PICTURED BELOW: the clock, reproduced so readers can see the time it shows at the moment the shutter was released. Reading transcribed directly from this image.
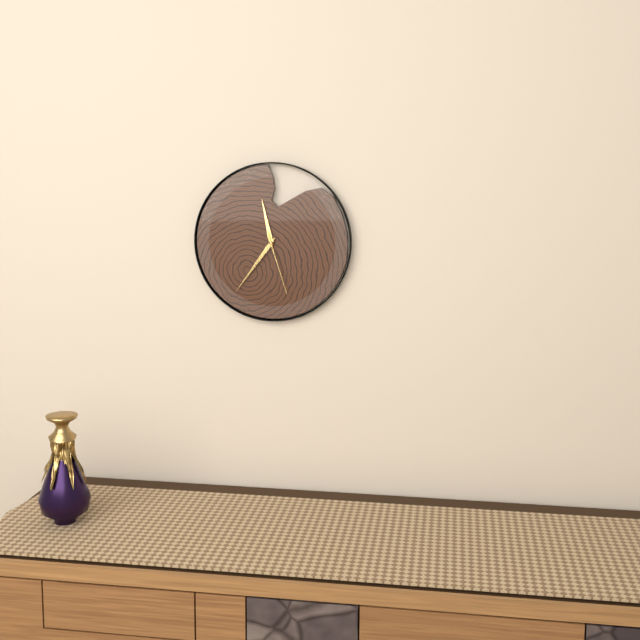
11:36:27
